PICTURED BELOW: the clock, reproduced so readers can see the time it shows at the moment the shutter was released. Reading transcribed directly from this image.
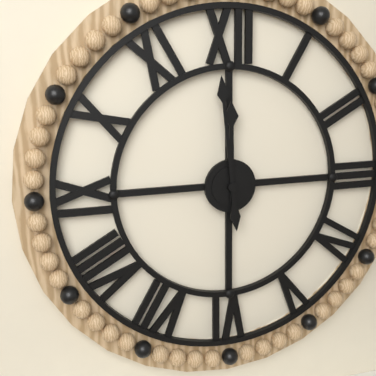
11:59
